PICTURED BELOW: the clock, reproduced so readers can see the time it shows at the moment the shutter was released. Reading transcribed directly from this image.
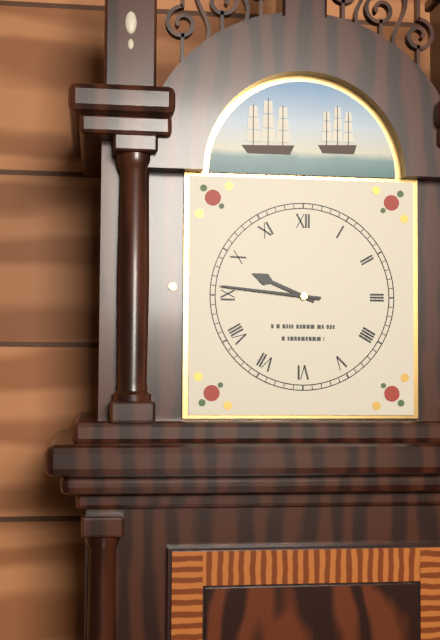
9:46
